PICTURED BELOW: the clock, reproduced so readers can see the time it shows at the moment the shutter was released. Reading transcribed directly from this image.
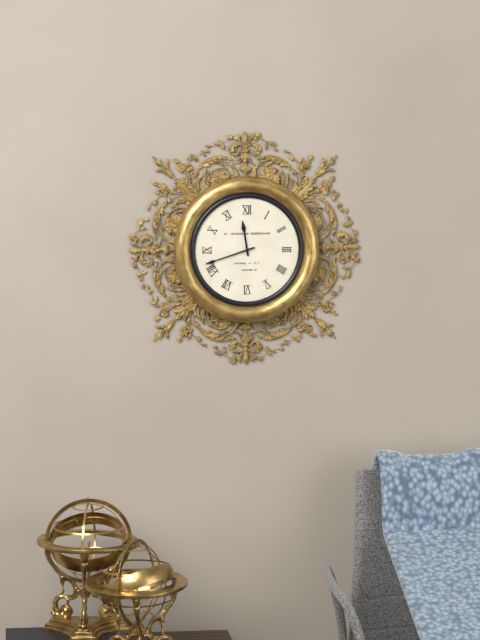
11:42
